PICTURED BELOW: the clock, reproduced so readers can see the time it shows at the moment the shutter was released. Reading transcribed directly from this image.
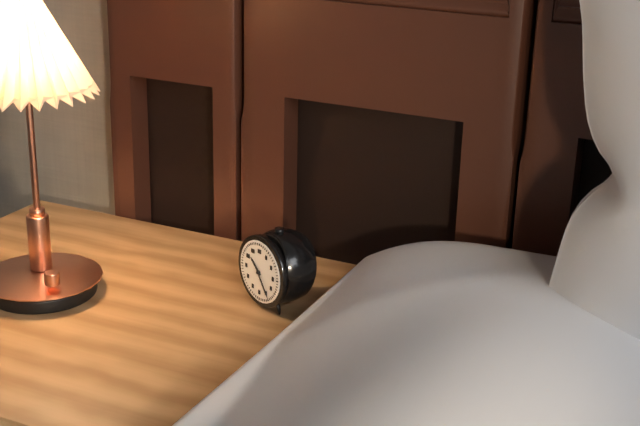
10:24
